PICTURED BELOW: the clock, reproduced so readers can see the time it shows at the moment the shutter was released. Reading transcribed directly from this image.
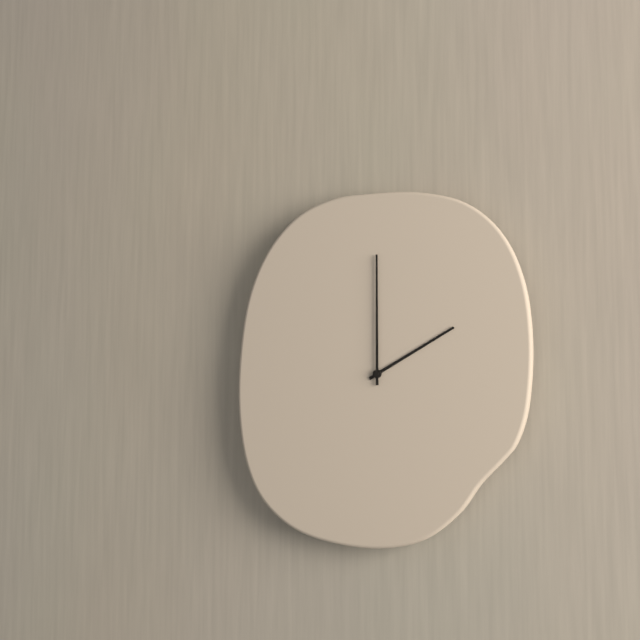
2:00
